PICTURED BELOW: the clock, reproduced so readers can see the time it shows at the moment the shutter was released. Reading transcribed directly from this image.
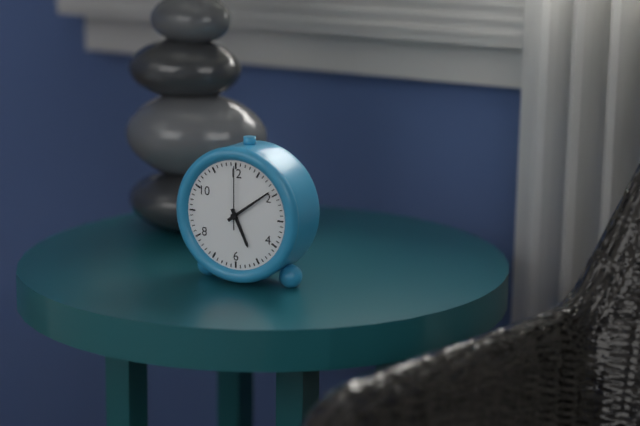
5:09:00
